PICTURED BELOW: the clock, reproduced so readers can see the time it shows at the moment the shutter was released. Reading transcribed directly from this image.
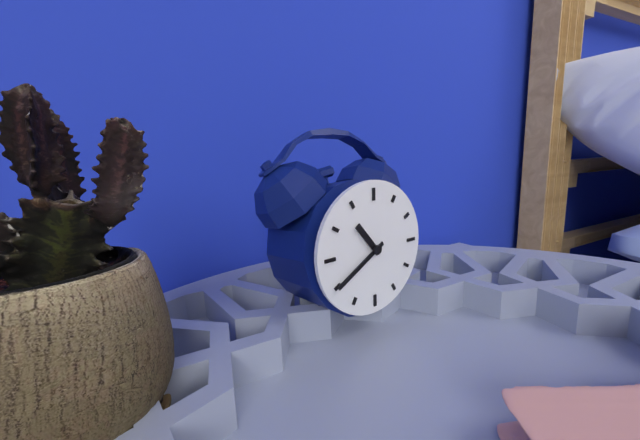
10:40
